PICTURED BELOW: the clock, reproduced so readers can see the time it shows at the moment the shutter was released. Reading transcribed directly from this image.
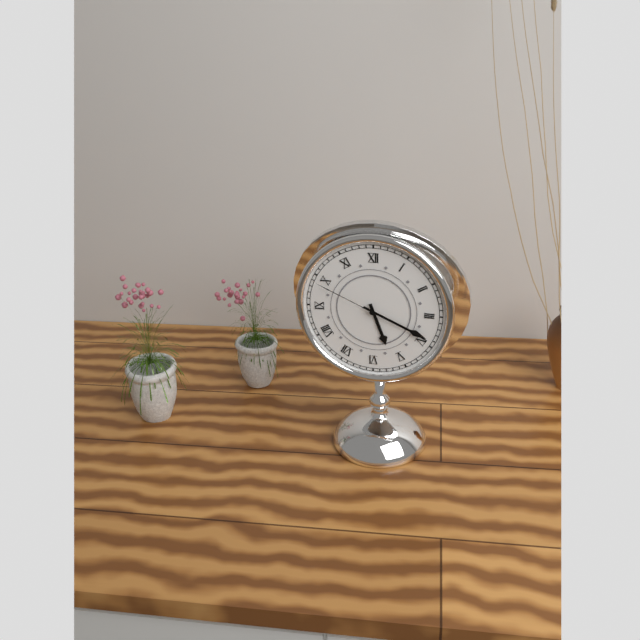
5:19:49
